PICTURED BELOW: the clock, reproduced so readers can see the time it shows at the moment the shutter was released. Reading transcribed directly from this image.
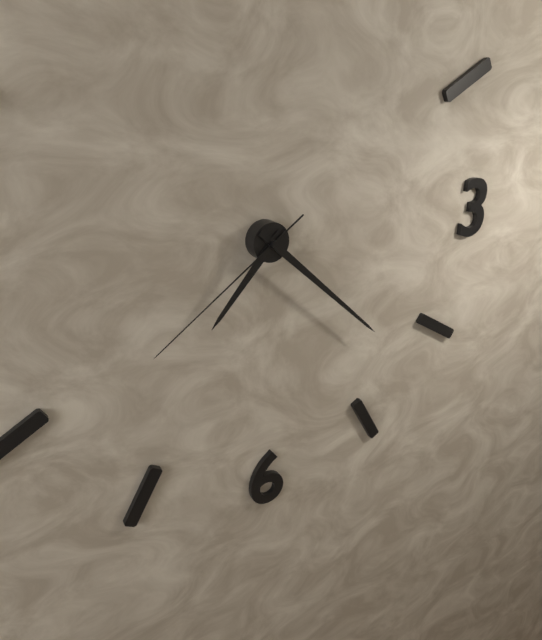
7:22:39
